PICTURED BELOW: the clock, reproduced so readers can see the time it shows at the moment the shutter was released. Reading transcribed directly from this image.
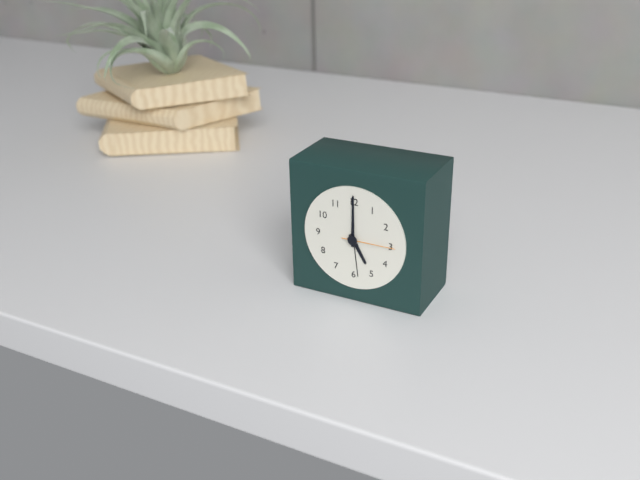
5:00:15
